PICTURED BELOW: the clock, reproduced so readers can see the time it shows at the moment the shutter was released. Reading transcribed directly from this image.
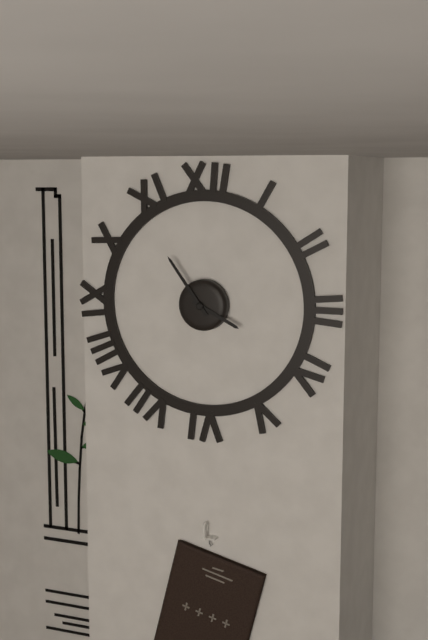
3:54
